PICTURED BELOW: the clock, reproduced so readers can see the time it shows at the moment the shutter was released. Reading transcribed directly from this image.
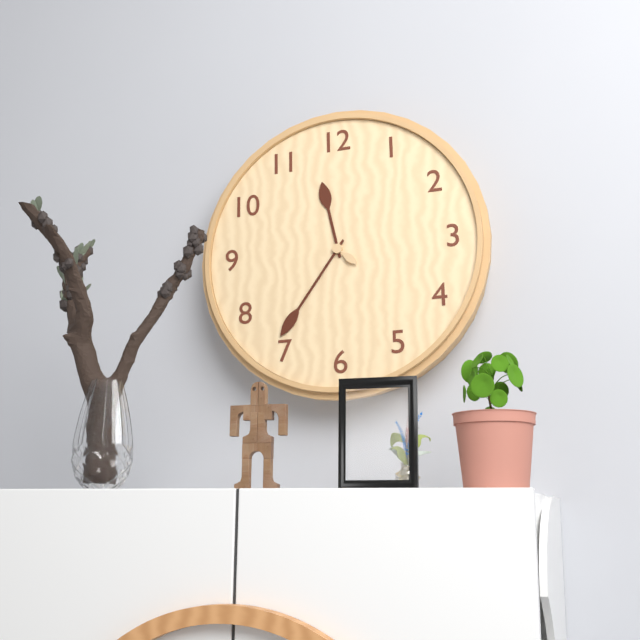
11:36
